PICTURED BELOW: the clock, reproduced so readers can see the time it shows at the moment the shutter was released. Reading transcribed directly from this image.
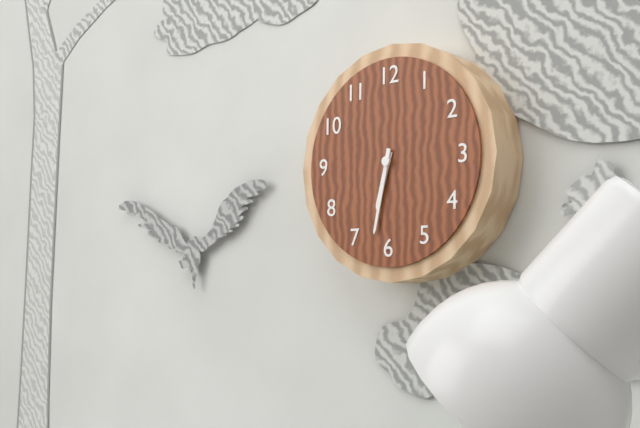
6:32
